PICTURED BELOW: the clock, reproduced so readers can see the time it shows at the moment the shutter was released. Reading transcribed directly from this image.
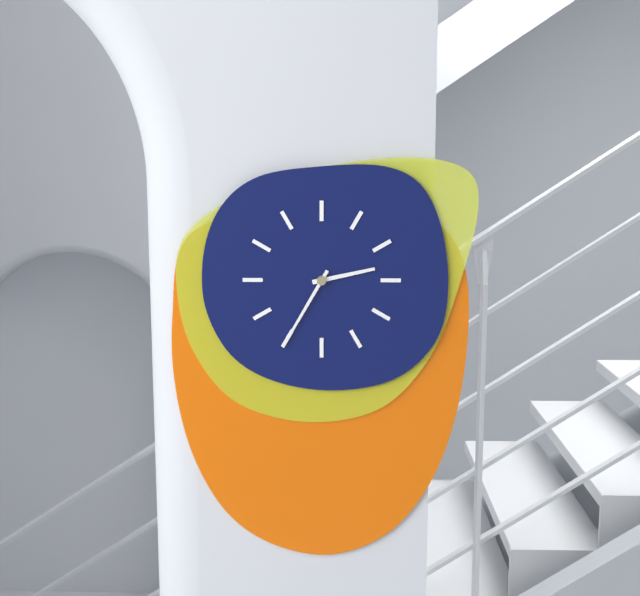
2:35
